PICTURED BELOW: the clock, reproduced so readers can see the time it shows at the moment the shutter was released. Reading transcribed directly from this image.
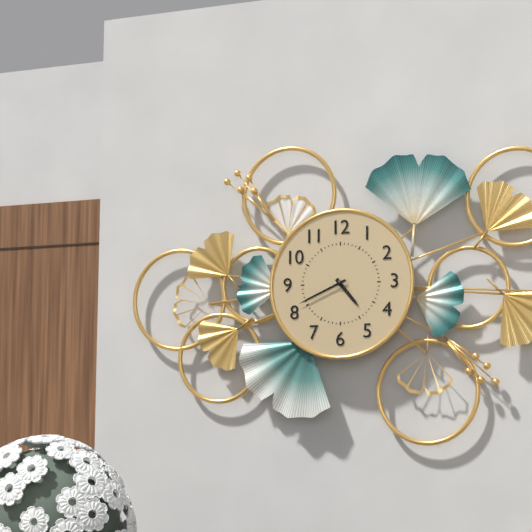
4:41
